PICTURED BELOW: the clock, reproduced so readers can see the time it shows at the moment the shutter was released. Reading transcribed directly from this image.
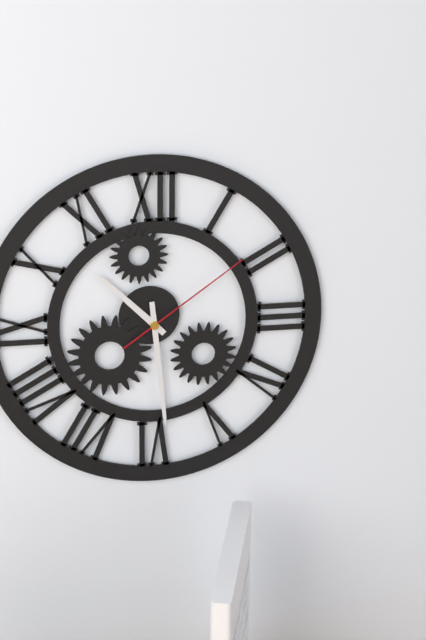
10:29:09
